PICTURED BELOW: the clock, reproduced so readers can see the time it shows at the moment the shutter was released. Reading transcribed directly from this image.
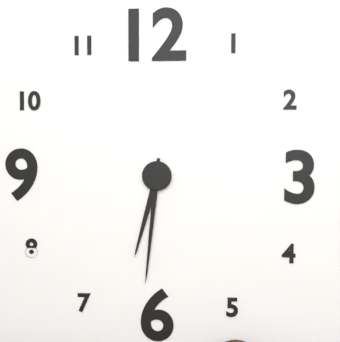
6:31
